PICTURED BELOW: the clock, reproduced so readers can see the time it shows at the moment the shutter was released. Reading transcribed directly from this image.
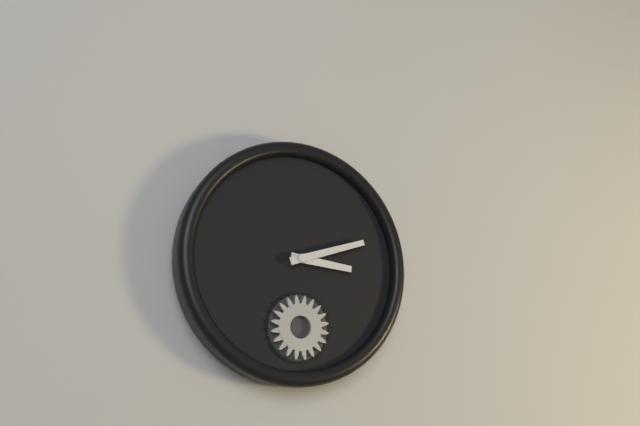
3:12
